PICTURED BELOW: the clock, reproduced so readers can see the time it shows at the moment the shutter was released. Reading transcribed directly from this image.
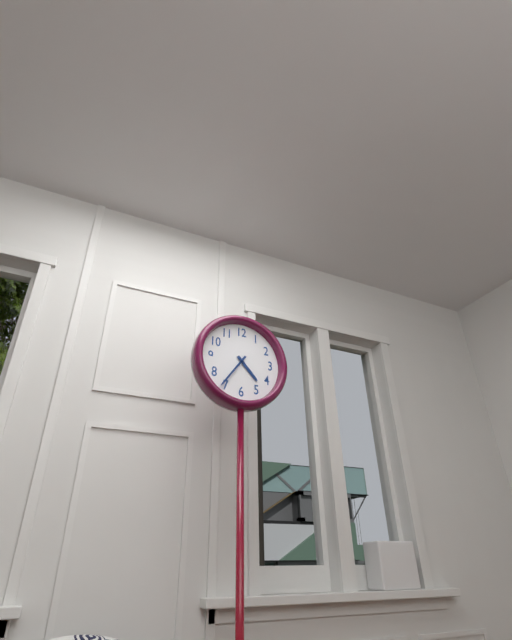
4:36
